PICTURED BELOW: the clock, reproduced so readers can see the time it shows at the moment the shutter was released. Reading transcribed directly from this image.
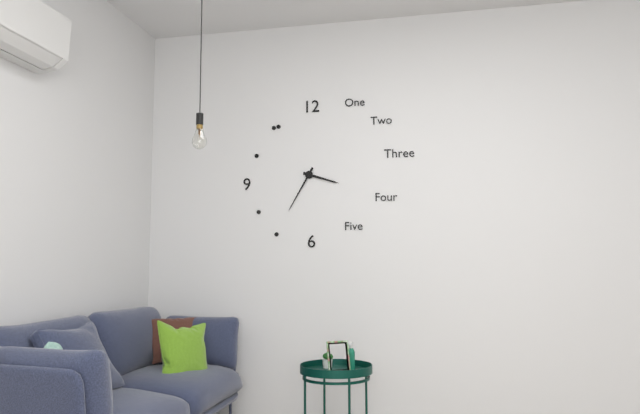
3:35
